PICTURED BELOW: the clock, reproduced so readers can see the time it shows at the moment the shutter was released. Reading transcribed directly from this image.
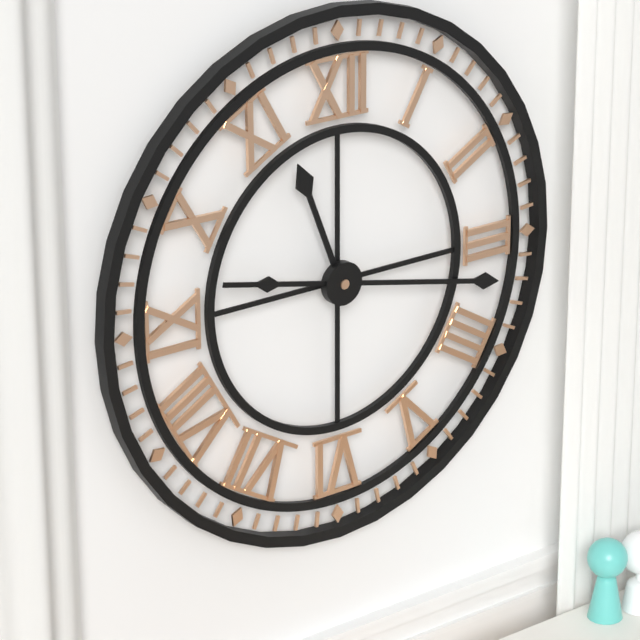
11:17
